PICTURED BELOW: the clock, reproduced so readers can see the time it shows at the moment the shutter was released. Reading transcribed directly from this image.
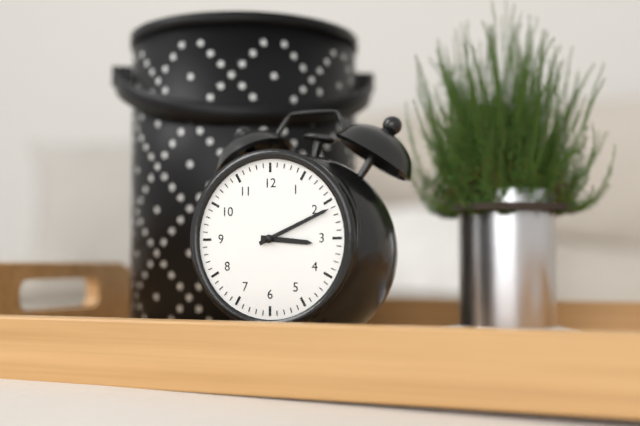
3:11
